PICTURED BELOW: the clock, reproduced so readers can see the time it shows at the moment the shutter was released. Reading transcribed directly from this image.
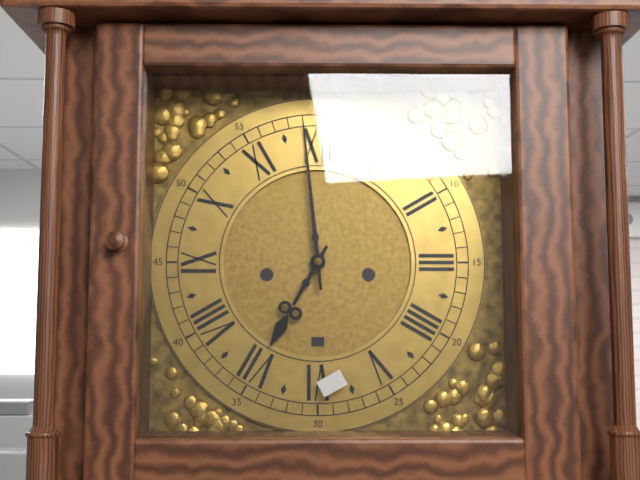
6:59
